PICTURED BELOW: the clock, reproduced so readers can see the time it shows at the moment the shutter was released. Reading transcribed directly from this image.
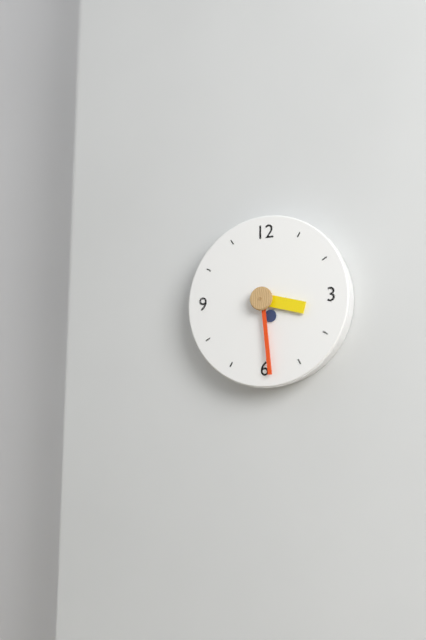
3:29
